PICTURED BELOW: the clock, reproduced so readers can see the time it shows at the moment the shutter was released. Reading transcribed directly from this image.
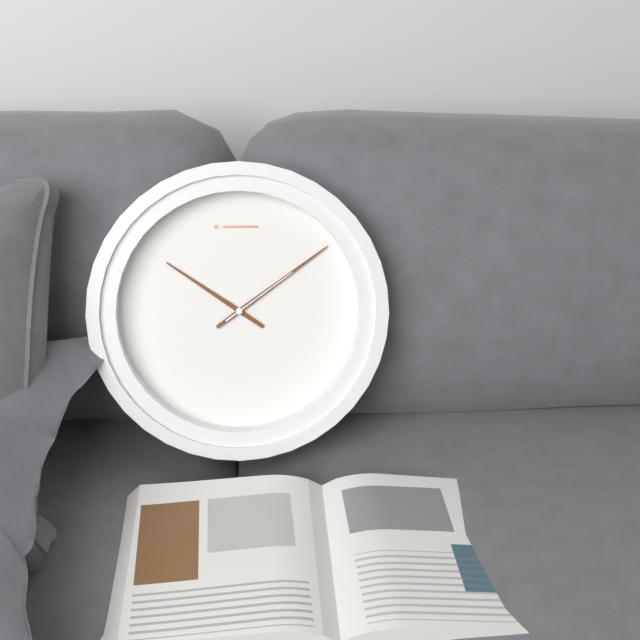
10:09:09
